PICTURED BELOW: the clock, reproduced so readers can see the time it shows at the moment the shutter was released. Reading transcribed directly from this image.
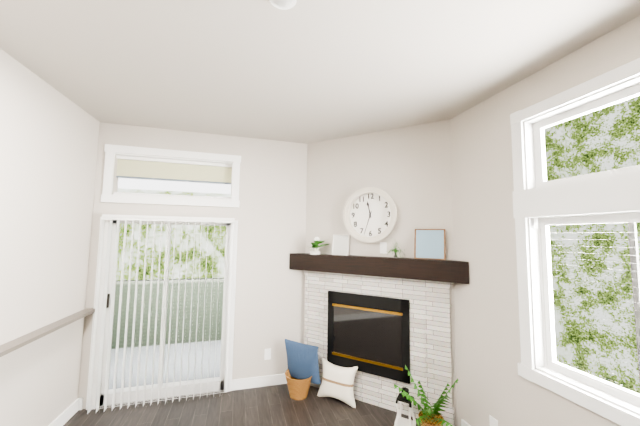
11:33
